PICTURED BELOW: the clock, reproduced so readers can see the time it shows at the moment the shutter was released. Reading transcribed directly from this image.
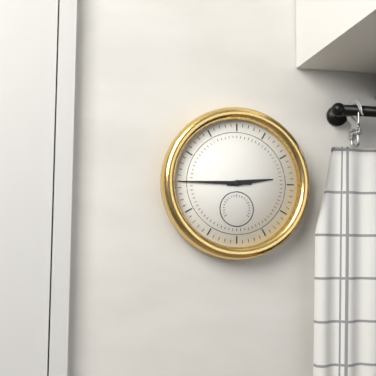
2:45
